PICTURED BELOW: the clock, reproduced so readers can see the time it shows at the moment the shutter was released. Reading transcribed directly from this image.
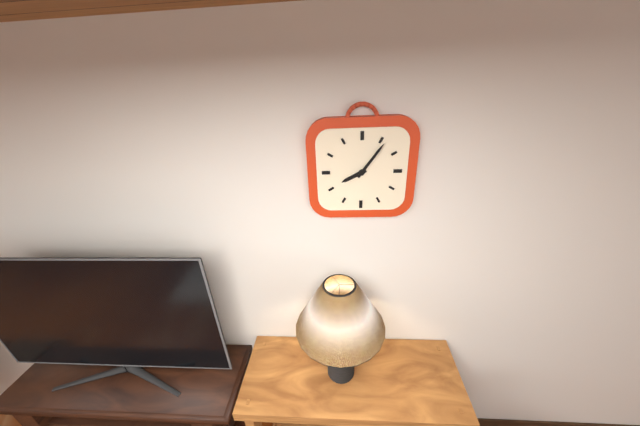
8:06
